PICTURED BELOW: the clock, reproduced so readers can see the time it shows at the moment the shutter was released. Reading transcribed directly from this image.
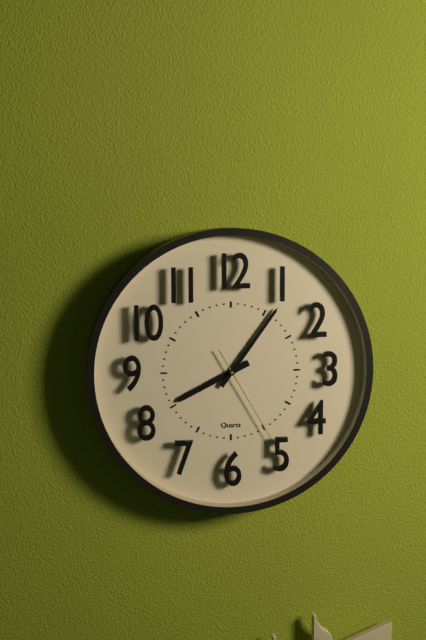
8:06:25
